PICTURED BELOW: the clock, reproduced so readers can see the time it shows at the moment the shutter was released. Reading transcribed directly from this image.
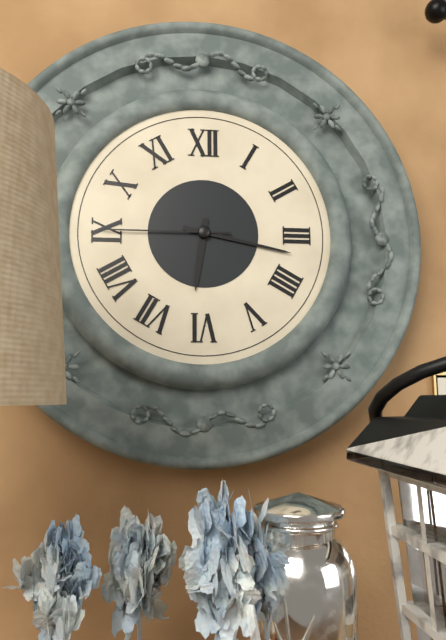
6:17:45
